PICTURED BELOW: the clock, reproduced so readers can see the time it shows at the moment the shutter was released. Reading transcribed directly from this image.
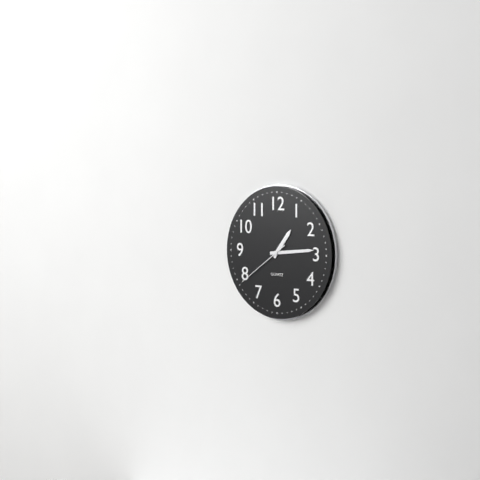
1:14:39
